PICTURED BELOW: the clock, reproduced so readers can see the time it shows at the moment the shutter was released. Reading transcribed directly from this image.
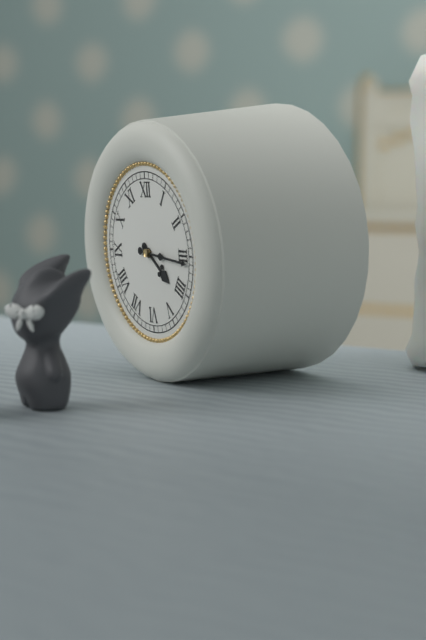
4:16
